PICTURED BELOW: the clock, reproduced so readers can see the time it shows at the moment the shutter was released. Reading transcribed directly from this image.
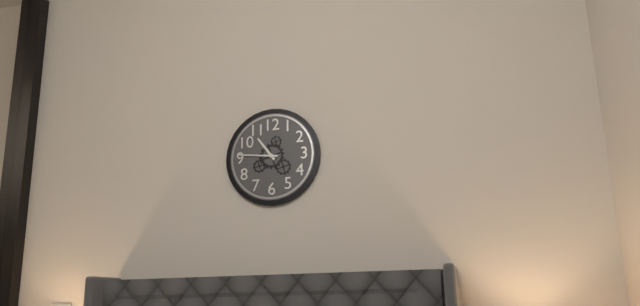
10:46
